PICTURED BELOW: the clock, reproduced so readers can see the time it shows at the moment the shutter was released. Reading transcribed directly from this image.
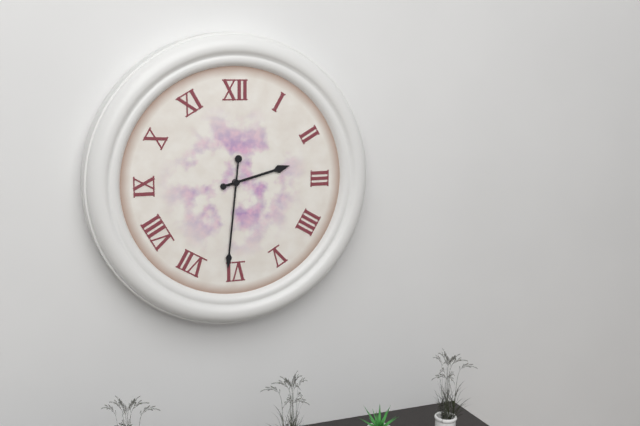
2:31
